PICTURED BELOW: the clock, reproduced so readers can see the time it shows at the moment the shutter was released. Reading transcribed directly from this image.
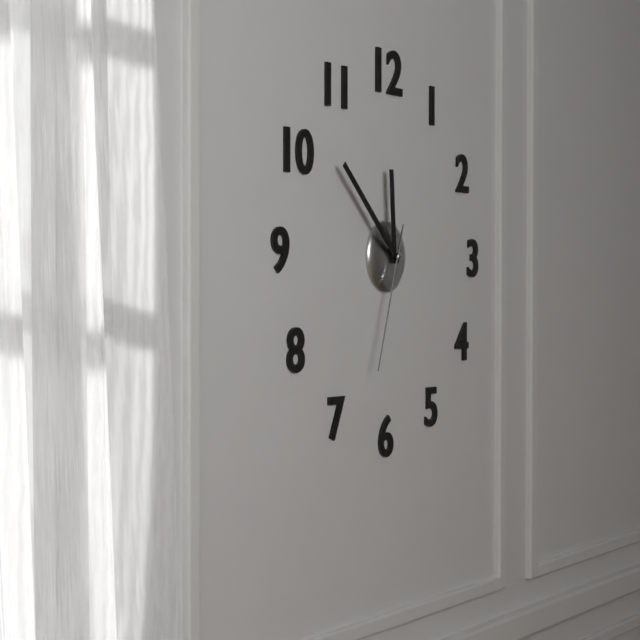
11:52:33
